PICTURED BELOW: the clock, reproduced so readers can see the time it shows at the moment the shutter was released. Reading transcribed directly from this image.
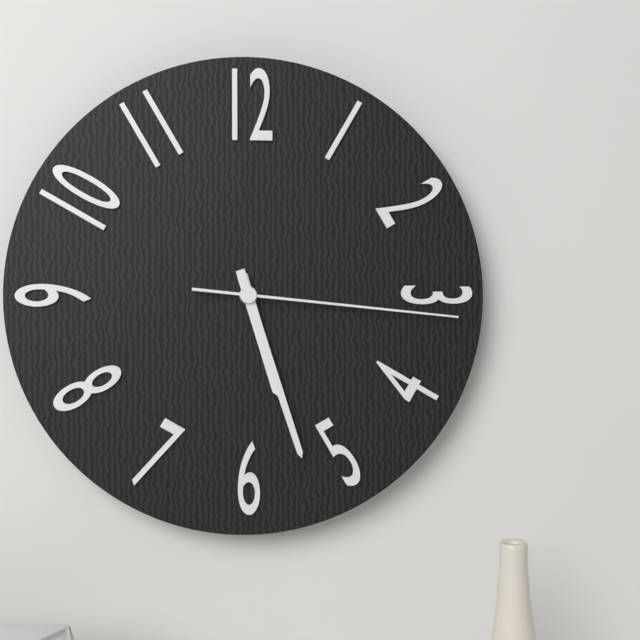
5:27:16
